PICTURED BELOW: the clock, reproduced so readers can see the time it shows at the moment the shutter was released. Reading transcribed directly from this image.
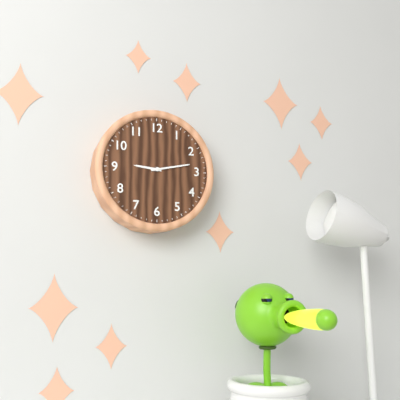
9:13
